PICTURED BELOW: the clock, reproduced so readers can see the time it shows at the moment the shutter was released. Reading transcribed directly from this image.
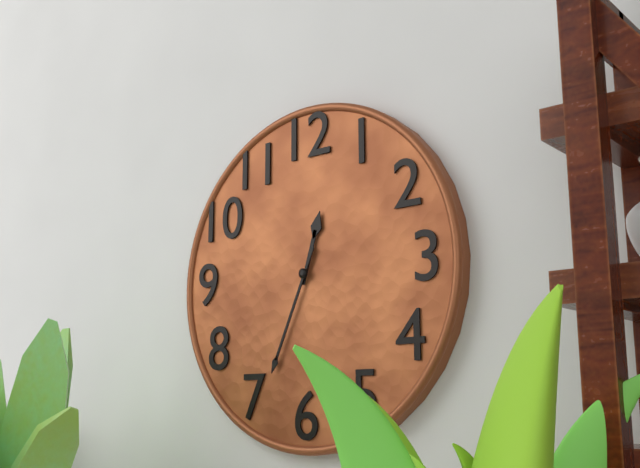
12:34
